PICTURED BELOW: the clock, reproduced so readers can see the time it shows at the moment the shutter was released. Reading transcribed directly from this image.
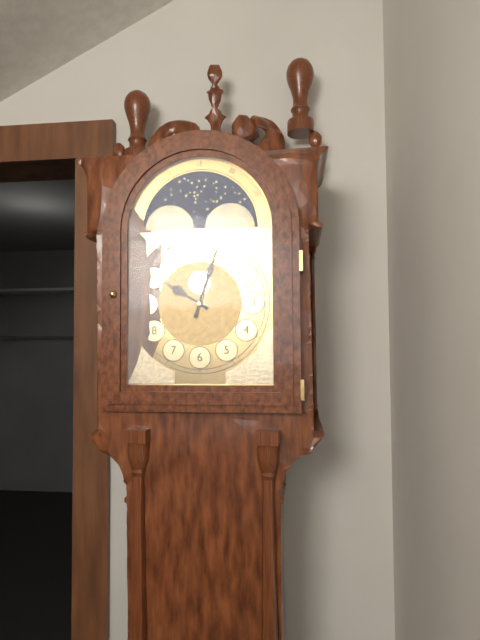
10:03
